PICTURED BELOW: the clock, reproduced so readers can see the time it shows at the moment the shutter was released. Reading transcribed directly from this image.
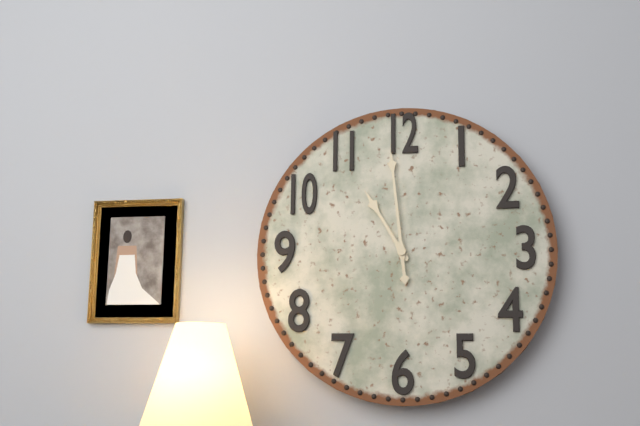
10:59
